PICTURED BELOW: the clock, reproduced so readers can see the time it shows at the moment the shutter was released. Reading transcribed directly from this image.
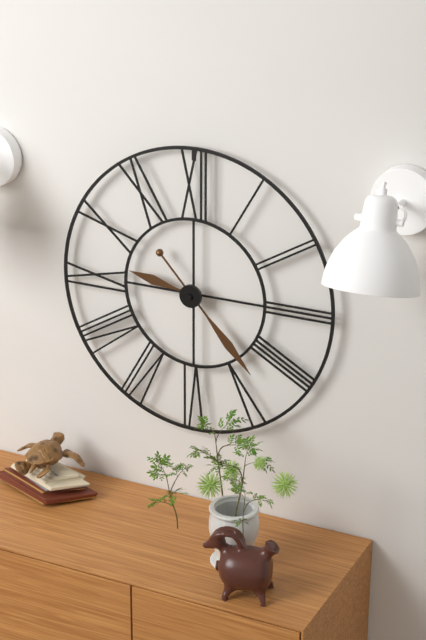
9:23
